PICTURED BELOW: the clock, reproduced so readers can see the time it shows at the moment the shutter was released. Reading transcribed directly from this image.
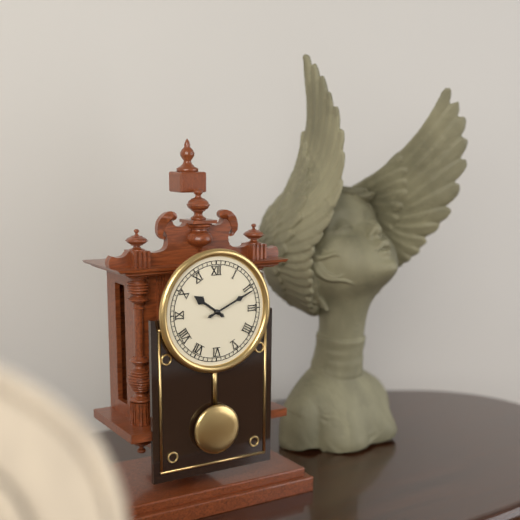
10:11
